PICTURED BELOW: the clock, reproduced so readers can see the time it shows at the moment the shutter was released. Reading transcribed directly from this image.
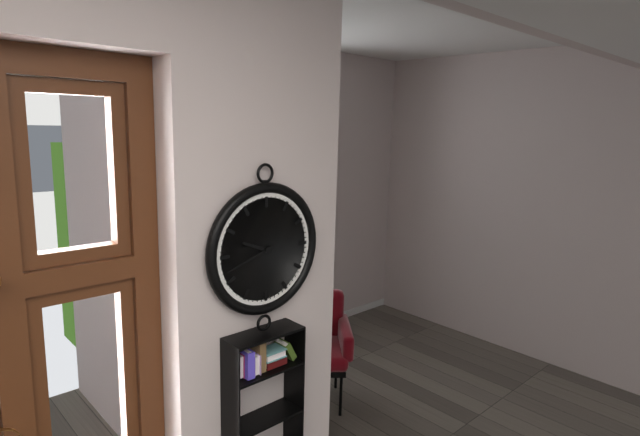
9:42
